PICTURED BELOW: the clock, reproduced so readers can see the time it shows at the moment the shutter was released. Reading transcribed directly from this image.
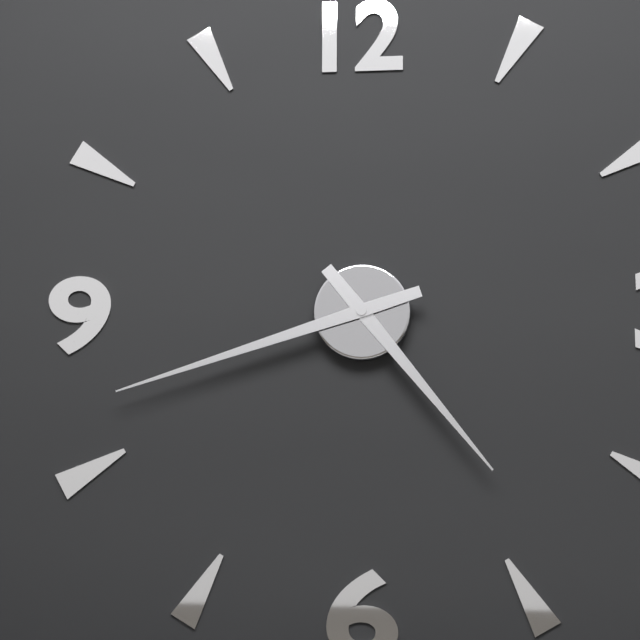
4:42
